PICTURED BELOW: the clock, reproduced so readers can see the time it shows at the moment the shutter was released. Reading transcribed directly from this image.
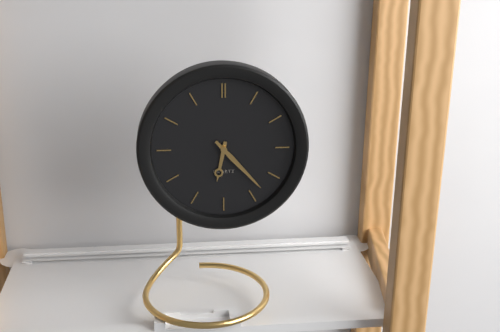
6:23
